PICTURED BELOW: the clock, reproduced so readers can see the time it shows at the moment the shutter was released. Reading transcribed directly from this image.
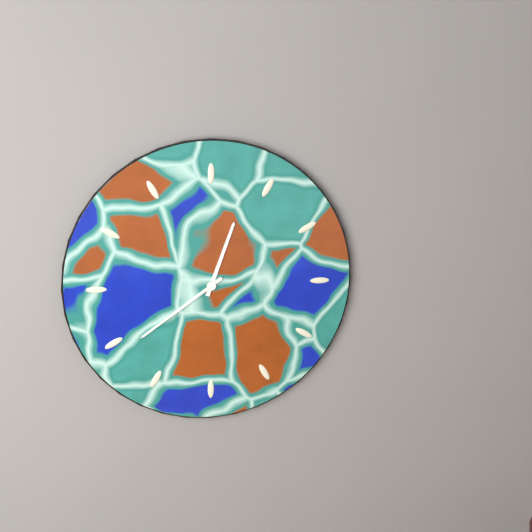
12:39
